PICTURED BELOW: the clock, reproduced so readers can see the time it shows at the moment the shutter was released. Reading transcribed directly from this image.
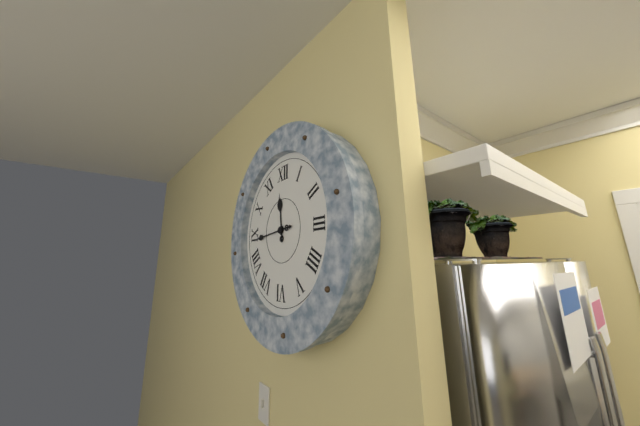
11:44
